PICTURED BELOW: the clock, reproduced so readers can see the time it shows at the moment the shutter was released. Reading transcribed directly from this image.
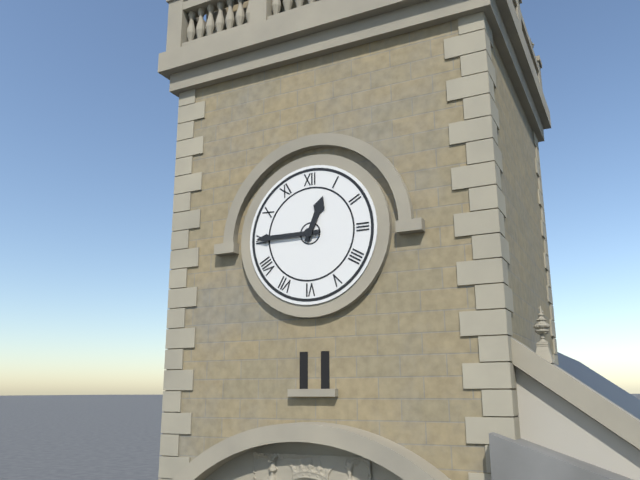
12:45
